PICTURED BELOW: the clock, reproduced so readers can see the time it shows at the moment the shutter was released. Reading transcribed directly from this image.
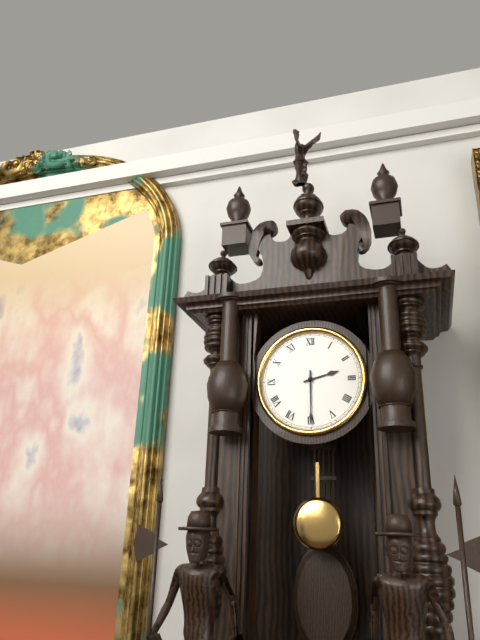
2:30
